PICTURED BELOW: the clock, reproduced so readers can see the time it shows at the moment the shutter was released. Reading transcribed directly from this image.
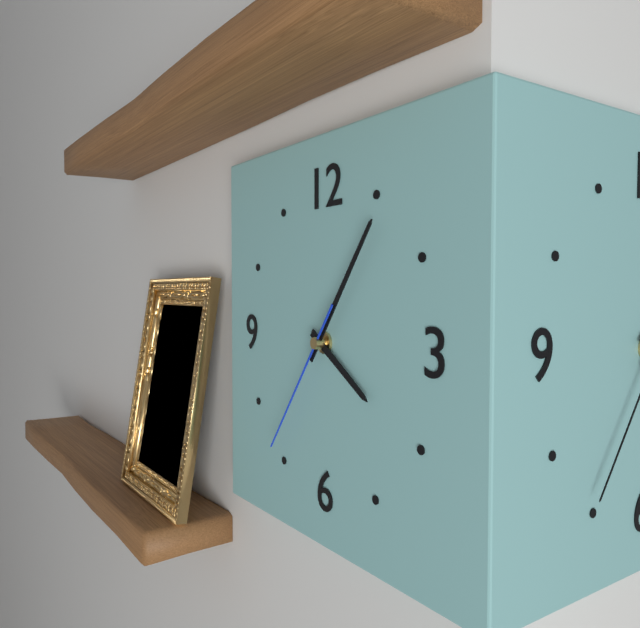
4:06:36
